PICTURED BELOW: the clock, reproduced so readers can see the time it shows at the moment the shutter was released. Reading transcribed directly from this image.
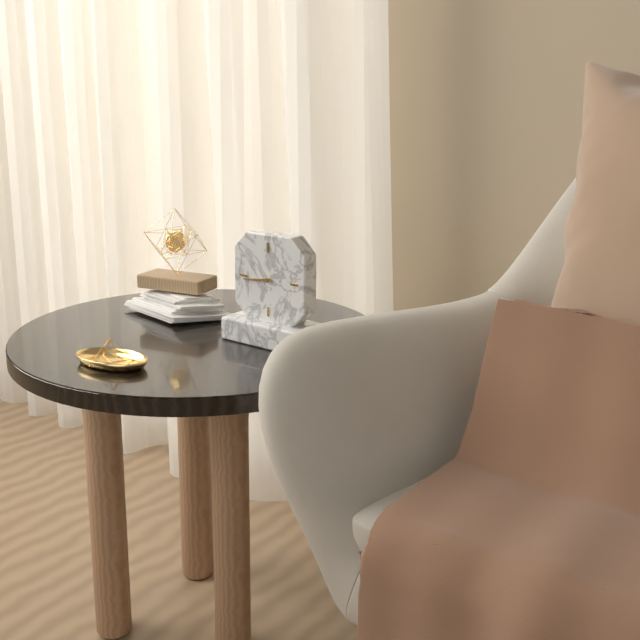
8:44
